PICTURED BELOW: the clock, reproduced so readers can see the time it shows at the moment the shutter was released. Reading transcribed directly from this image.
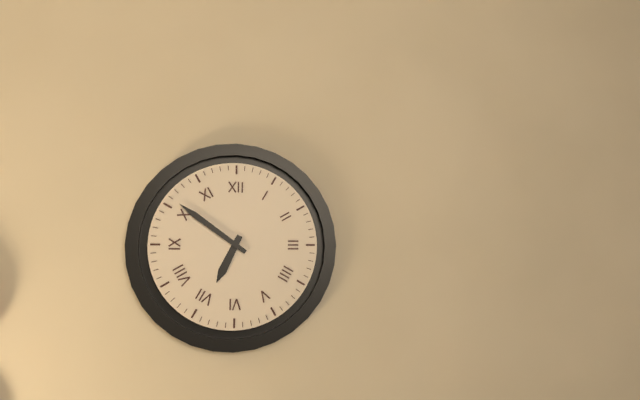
6:51
